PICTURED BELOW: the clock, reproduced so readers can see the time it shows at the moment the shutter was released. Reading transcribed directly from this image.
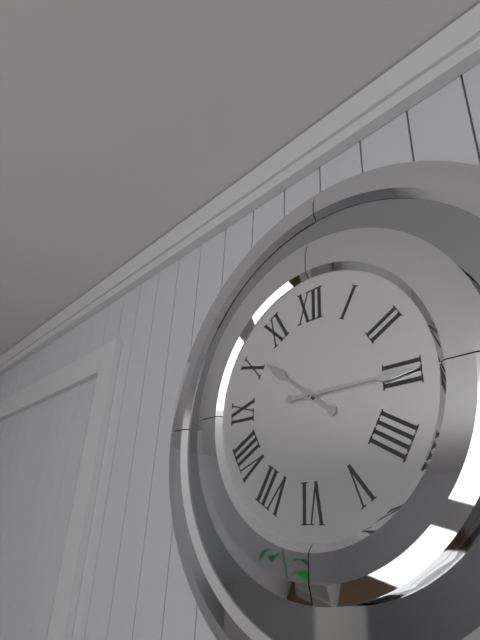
10:15
